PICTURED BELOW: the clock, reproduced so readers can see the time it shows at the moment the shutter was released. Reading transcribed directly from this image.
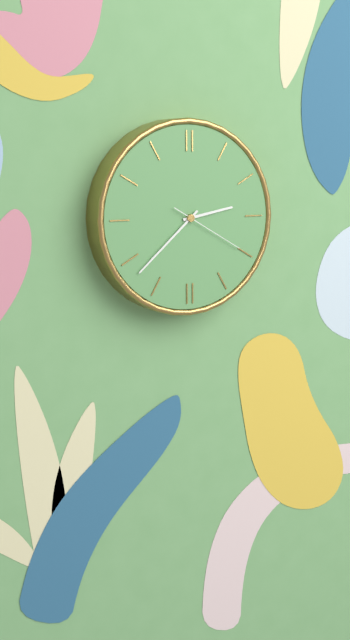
2:38:20
